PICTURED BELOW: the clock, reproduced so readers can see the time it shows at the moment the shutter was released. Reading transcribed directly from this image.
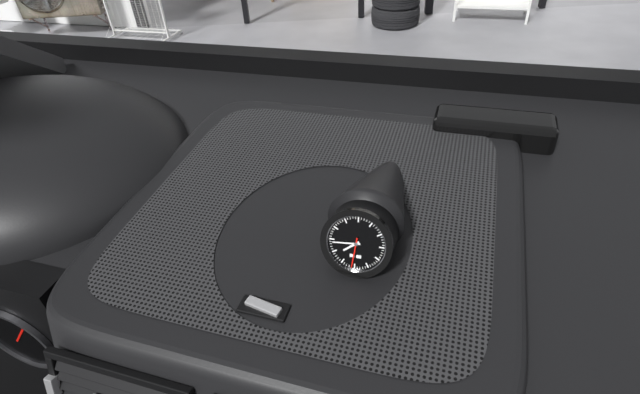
7:44
